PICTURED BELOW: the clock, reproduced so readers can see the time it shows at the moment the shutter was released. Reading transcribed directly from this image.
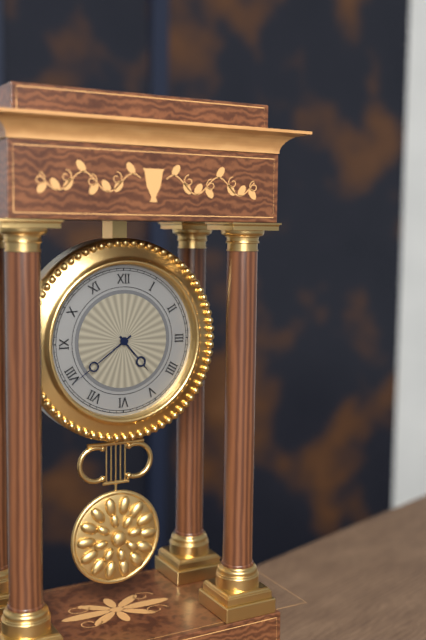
4:39
